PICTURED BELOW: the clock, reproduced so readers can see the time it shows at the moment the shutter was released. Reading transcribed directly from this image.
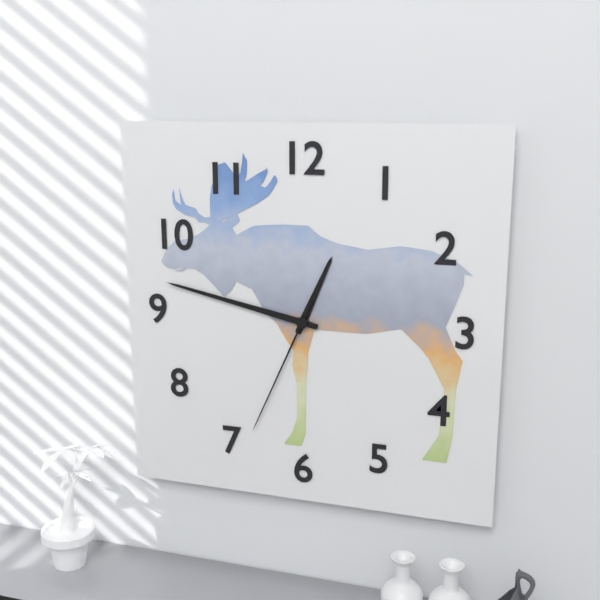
12:47:34
